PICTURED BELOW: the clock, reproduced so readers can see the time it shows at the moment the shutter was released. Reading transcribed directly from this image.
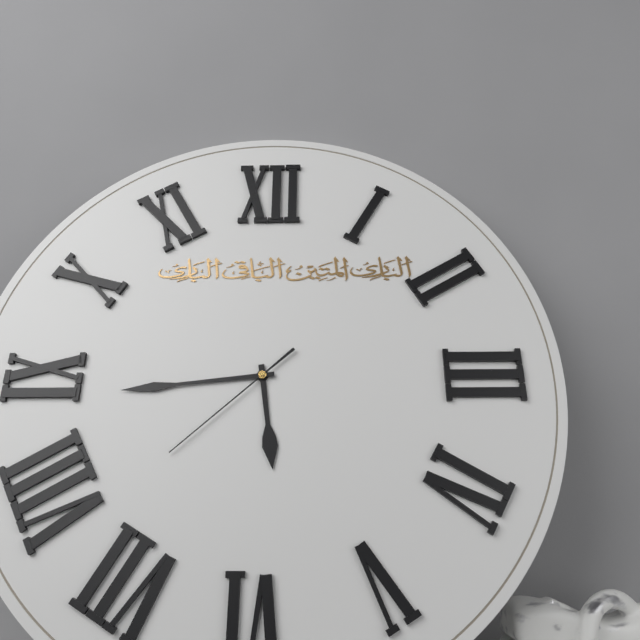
5:44:38
